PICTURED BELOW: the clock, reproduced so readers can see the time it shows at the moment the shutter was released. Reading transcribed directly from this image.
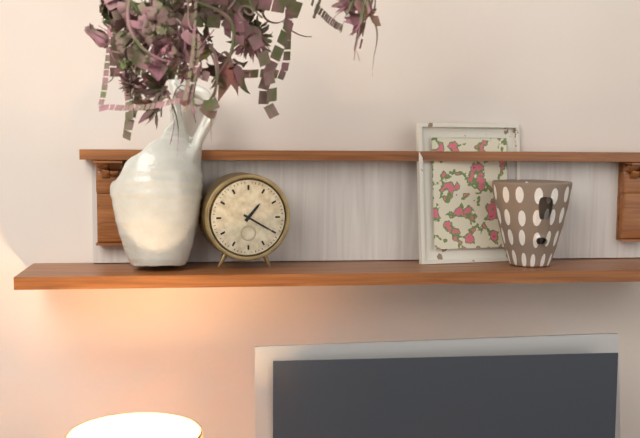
1:20
